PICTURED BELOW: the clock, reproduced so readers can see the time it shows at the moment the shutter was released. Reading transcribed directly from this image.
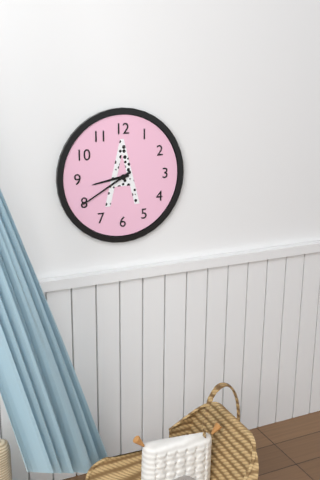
8:40
